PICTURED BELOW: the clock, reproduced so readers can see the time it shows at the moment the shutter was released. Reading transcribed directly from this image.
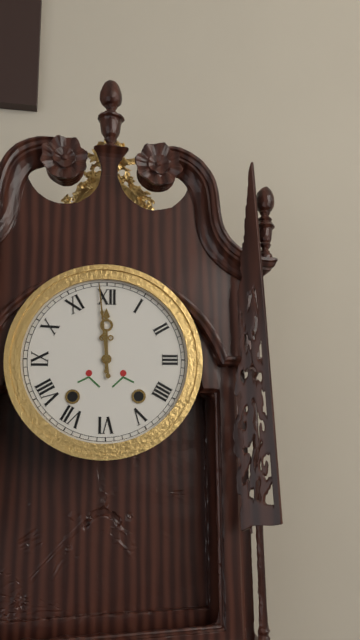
11:59
